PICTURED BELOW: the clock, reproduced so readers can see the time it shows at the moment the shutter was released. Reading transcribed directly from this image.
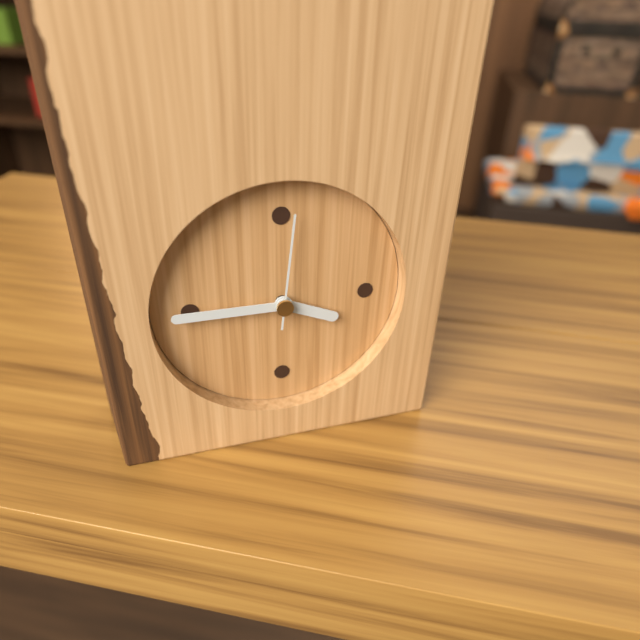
3:45:01
